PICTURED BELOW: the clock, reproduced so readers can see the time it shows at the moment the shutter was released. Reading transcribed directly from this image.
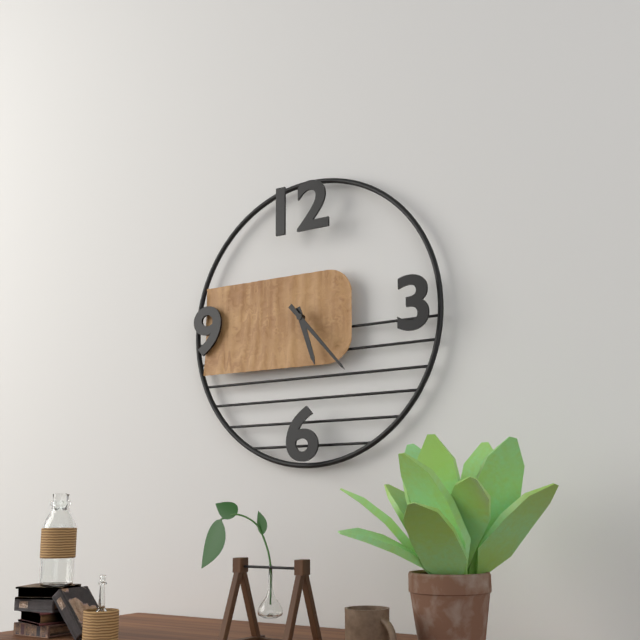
5:23
